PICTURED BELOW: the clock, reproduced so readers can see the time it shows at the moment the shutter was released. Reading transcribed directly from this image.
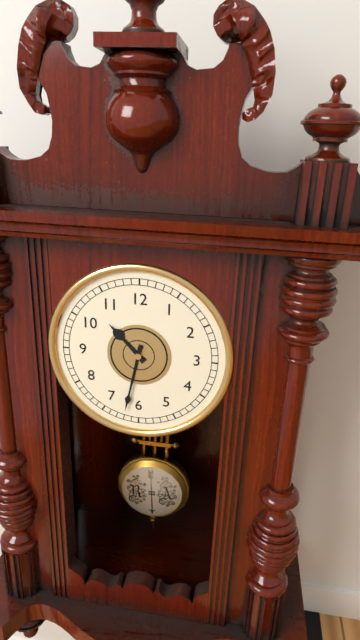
10:32
